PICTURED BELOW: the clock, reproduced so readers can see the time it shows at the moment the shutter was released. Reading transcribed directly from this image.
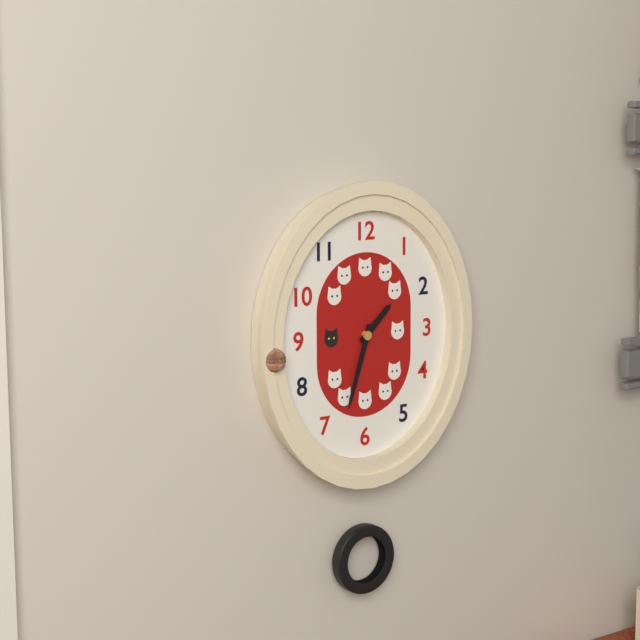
1:33
